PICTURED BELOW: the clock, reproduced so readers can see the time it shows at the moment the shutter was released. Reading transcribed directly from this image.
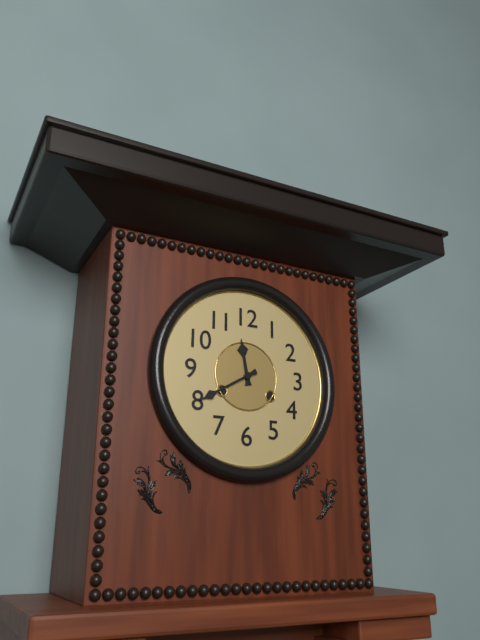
11:40
